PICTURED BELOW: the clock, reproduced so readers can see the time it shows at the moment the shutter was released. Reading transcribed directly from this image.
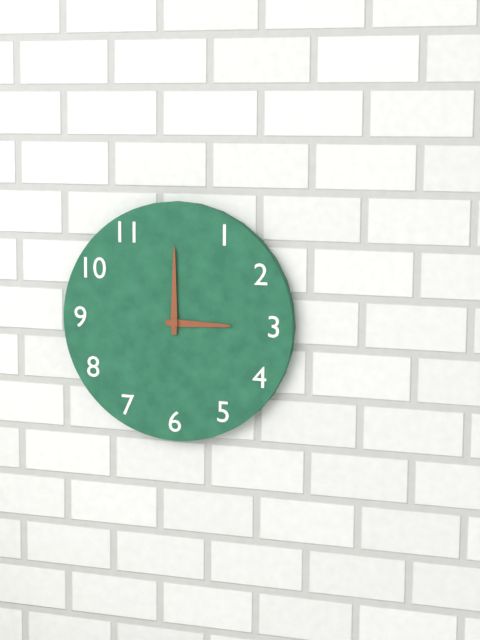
3:00
